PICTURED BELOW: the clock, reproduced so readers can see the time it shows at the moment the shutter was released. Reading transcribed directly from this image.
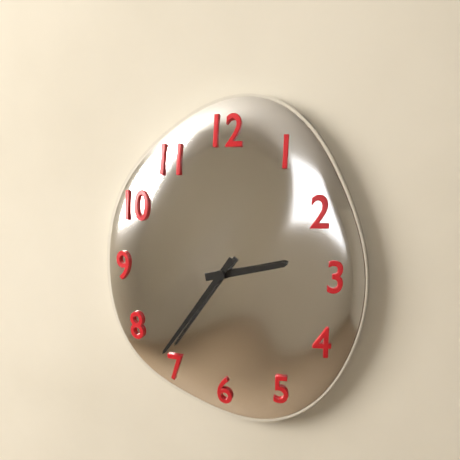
2:36
